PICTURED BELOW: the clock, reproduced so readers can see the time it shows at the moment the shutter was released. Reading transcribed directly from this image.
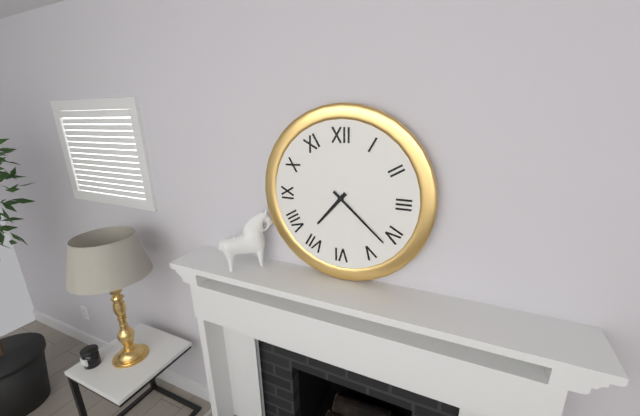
7:22
